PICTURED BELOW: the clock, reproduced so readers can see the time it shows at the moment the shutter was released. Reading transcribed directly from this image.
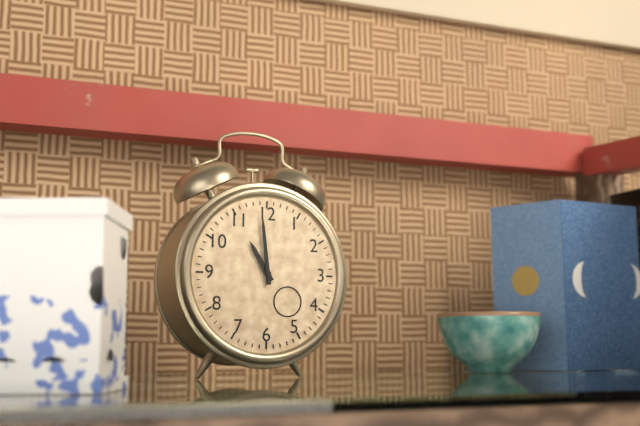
10:59
